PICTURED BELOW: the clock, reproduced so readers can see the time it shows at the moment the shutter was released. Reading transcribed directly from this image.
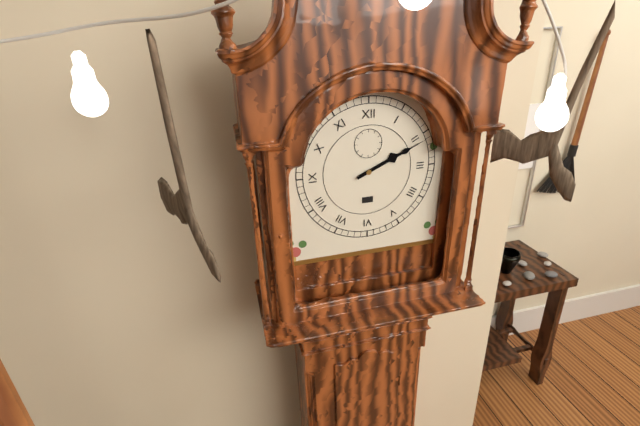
2:11
